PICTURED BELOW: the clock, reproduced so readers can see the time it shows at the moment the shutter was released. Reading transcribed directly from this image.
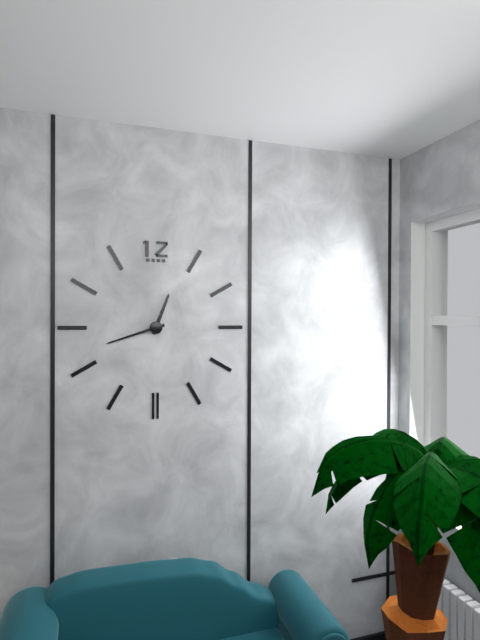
12:42
